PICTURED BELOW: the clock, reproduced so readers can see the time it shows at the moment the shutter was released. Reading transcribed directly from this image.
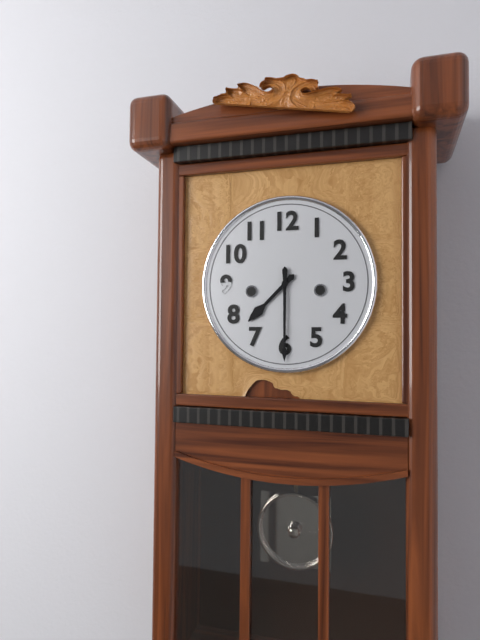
7:30
